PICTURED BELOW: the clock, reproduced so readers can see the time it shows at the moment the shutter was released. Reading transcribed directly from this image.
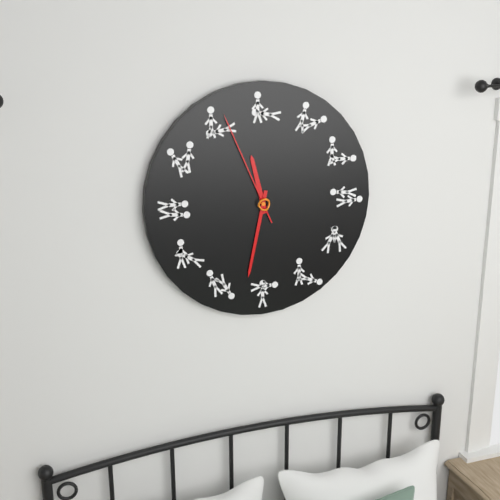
11:32:56
